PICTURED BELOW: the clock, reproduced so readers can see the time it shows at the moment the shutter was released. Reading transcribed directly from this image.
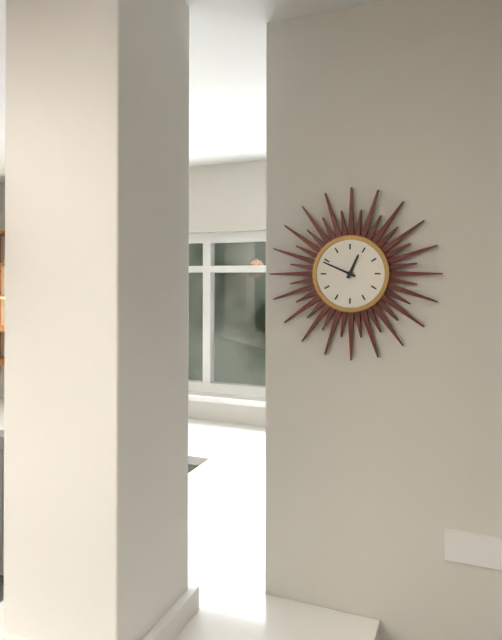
12:49
